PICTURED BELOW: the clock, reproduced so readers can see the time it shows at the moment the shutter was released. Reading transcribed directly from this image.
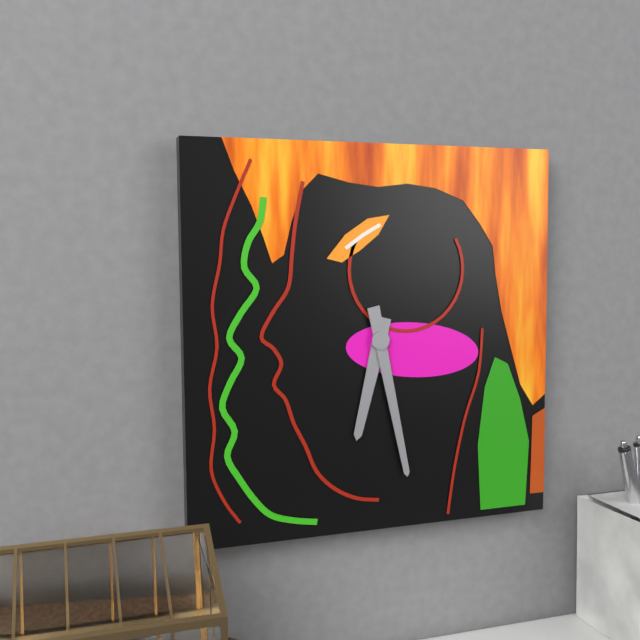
6:28
